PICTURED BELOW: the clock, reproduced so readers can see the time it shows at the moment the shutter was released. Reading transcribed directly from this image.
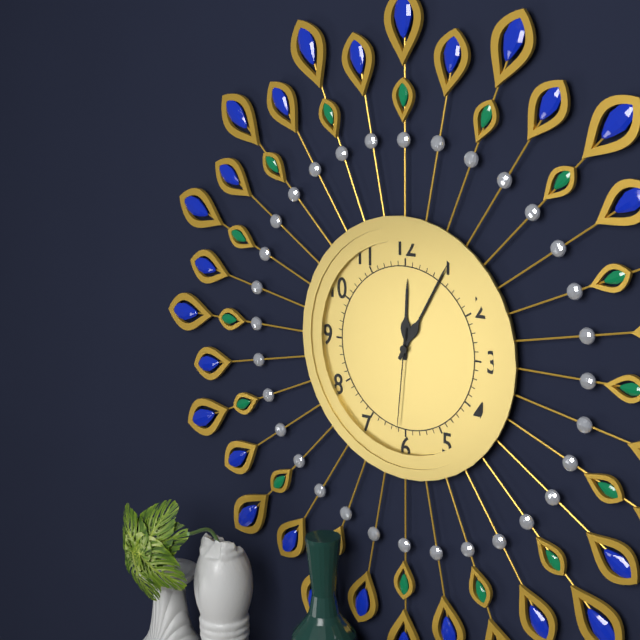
12:05:31
